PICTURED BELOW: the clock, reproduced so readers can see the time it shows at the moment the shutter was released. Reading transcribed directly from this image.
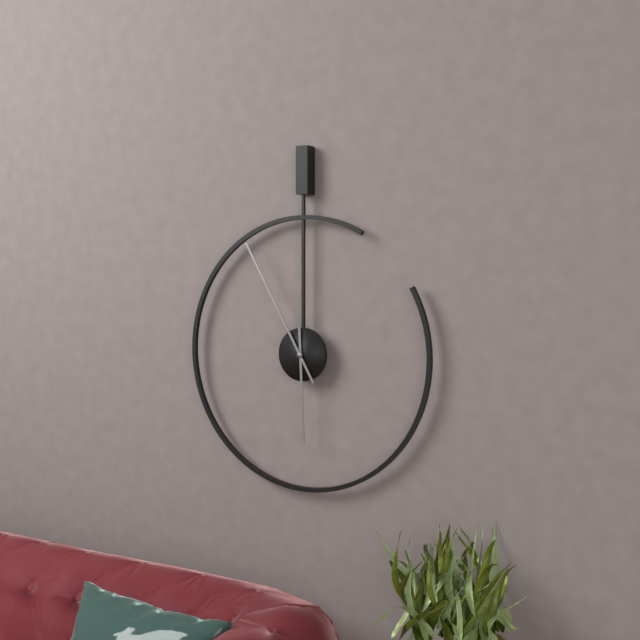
5:55
